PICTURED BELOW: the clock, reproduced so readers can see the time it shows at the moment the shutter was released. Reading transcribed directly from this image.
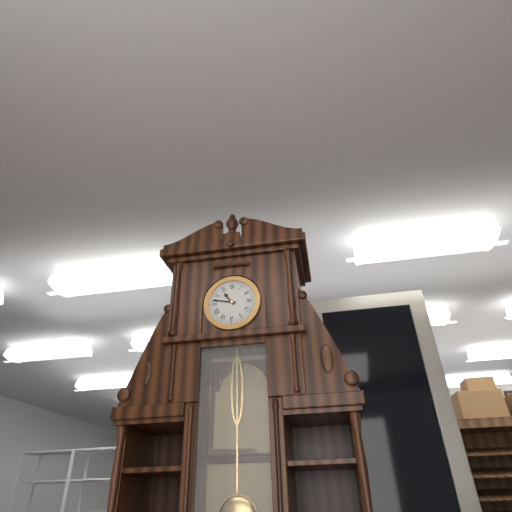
10:47
